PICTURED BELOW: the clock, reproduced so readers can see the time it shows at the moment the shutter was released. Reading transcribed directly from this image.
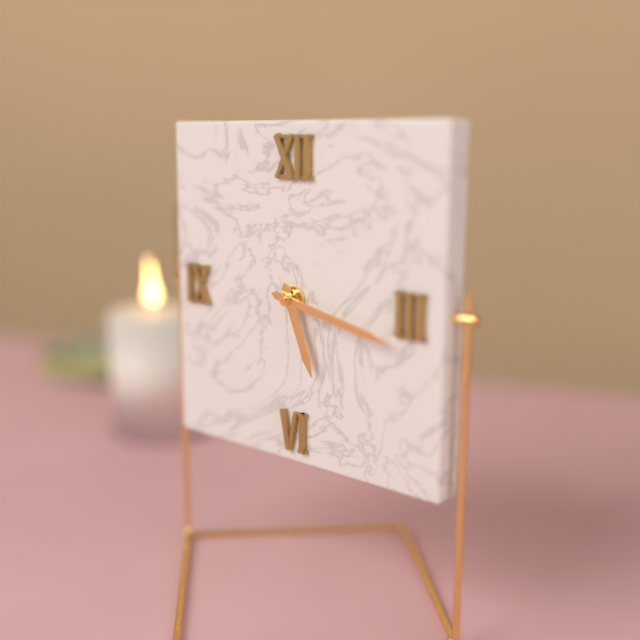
5:17
